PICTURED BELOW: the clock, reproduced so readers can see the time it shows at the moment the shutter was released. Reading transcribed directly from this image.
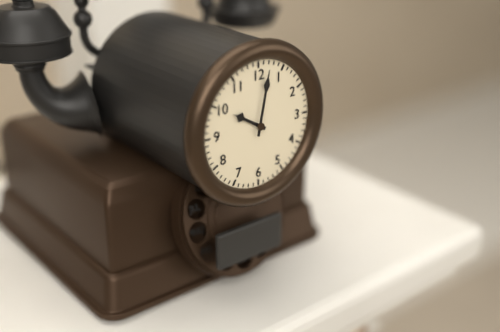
10:02
